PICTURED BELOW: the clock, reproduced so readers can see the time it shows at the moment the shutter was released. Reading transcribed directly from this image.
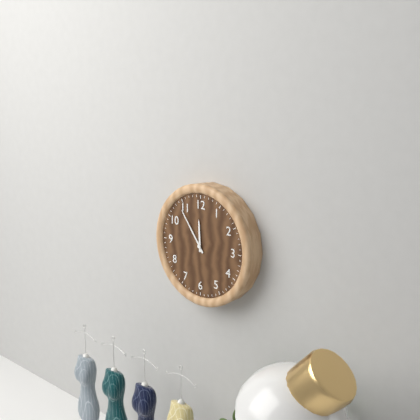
11:54
